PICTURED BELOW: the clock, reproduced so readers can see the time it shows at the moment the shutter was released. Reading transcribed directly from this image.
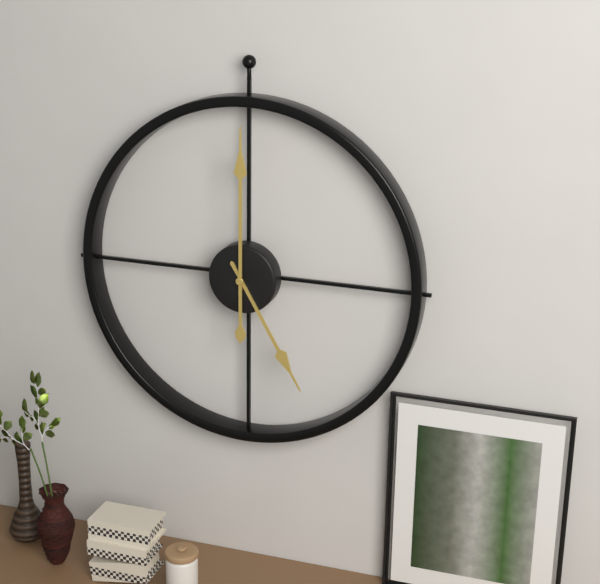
5:00
